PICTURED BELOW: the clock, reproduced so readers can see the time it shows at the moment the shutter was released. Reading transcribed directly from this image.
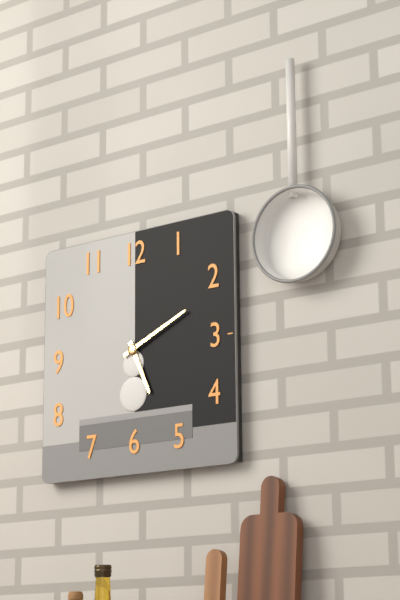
5:11
